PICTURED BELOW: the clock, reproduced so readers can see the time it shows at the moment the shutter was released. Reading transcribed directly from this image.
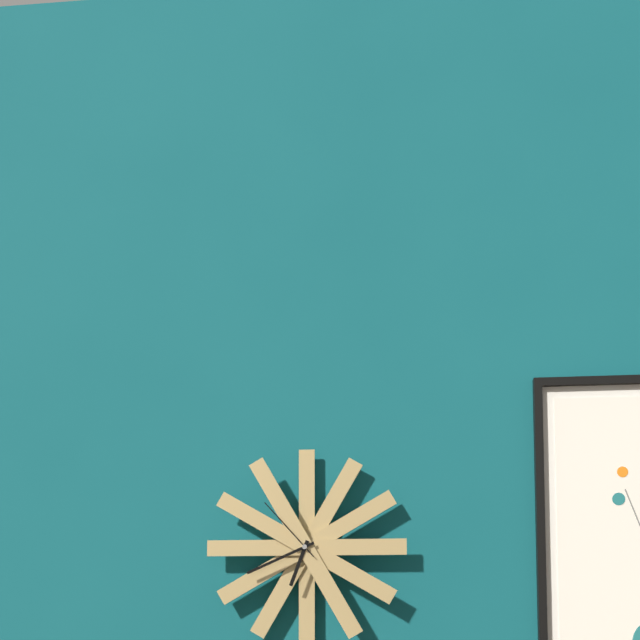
6:41:53
